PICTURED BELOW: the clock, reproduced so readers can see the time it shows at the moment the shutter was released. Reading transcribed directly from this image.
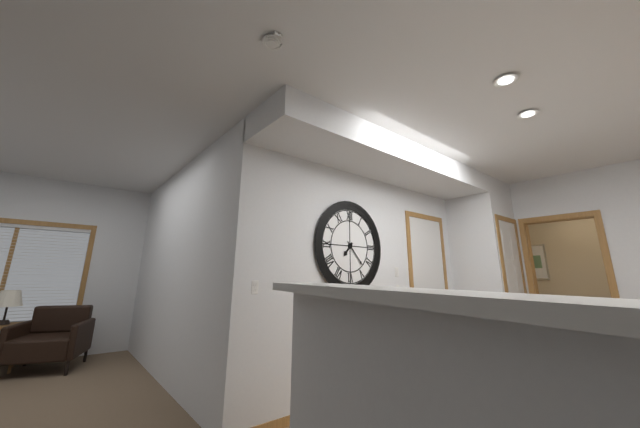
7:23
